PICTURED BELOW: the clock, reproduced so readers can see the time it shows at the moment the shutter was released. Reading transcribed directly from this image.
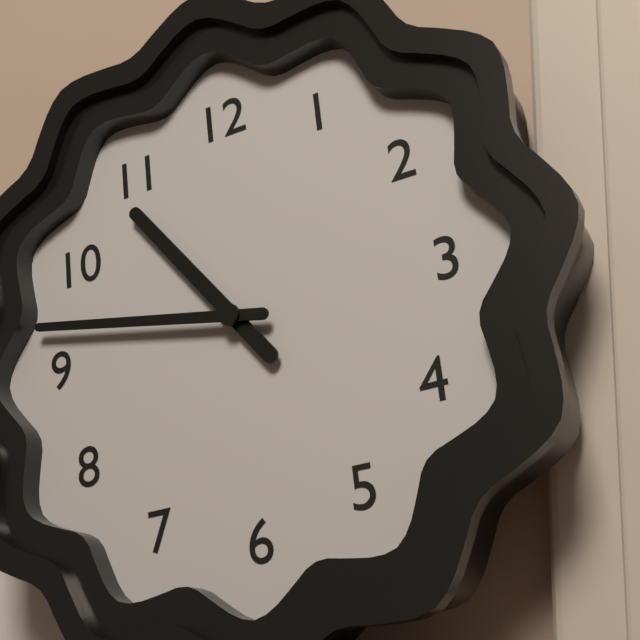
10:47
